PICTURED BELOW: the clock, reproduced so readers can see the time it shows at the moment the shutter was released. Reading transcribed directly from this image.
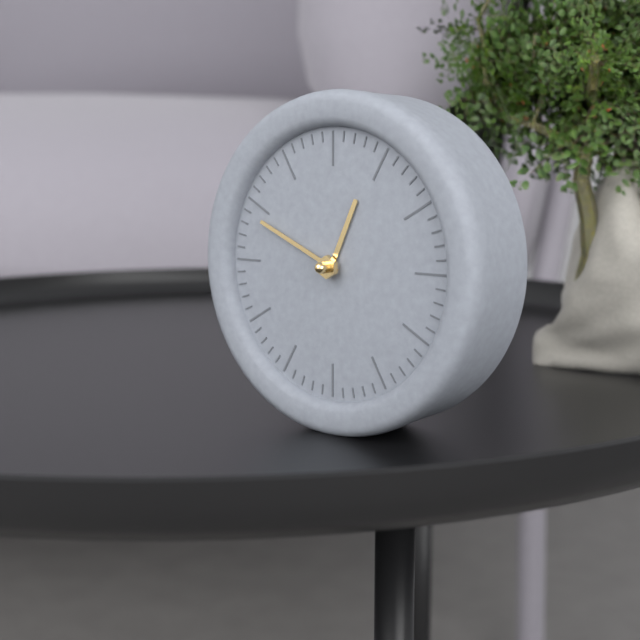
12:49
